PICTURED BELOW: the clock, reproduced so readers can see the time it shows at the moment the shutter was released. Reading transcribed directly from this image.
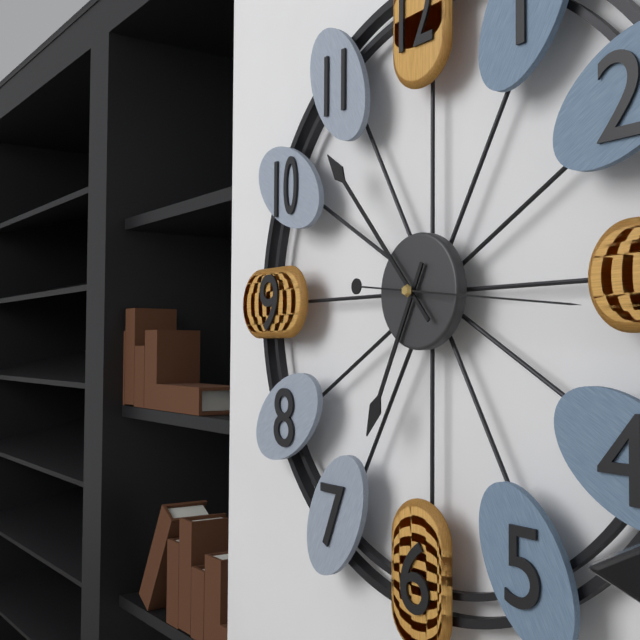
6:53:16
